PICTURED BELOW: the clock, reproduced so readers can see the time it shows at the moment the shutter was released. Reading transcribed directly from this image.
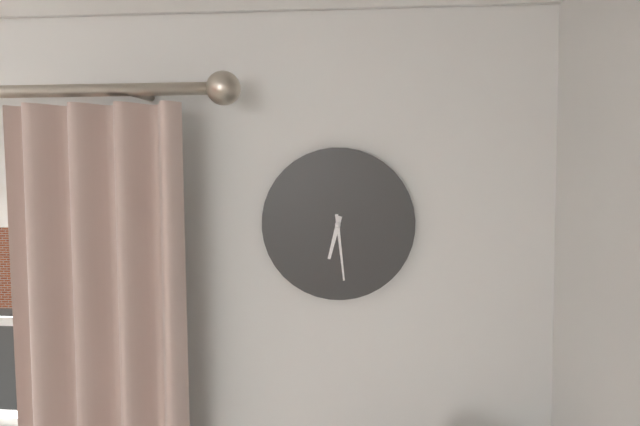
6:29
